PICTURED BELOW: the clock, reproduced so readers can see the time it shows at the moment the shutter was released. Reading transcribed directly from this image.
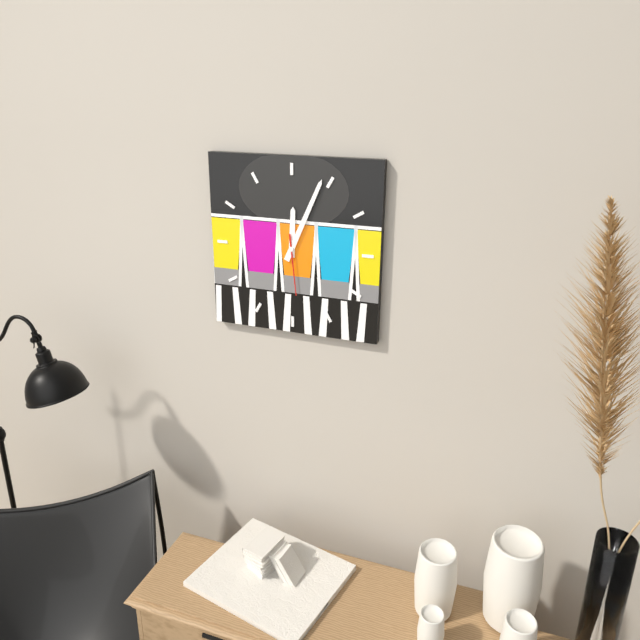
12:04:29
